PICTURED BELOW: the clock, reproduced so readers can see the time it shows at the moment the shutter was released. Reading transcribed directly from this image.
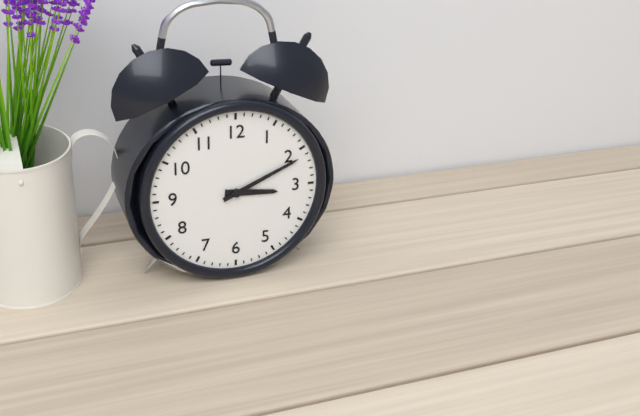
3:11
